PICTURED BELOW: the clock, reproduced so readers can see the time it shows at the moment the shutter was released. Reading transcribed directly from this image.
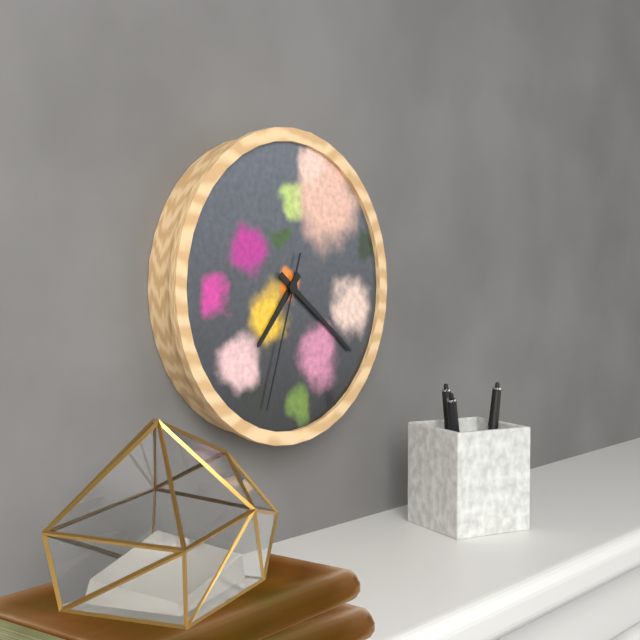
7:21:33
